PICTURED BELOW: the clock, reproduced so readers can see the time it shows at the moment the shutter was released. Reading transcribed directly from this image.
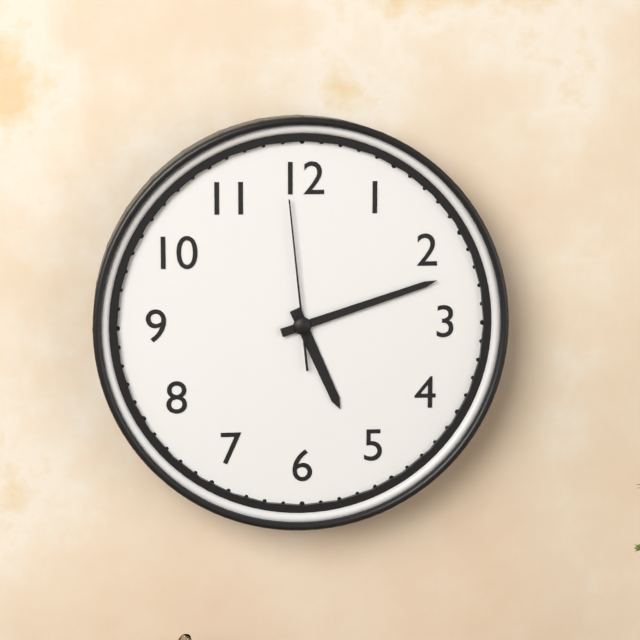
5:12:59
